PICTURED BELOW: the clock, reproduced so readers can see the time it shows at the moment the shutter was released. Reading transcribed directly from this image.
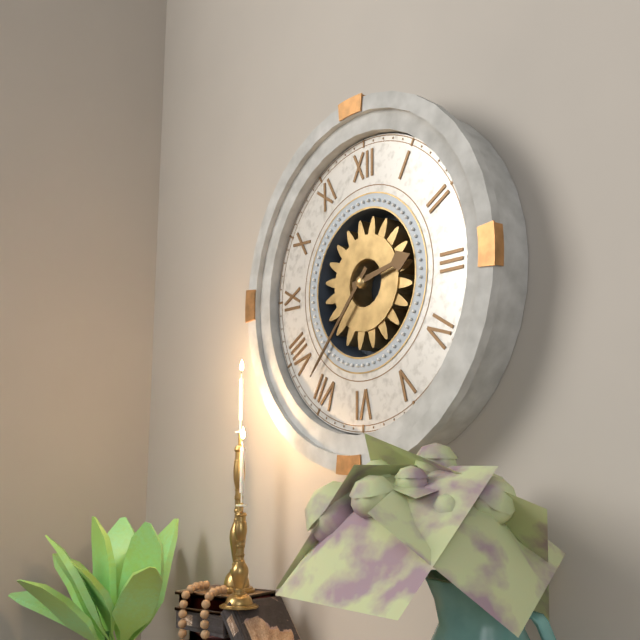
2:37
